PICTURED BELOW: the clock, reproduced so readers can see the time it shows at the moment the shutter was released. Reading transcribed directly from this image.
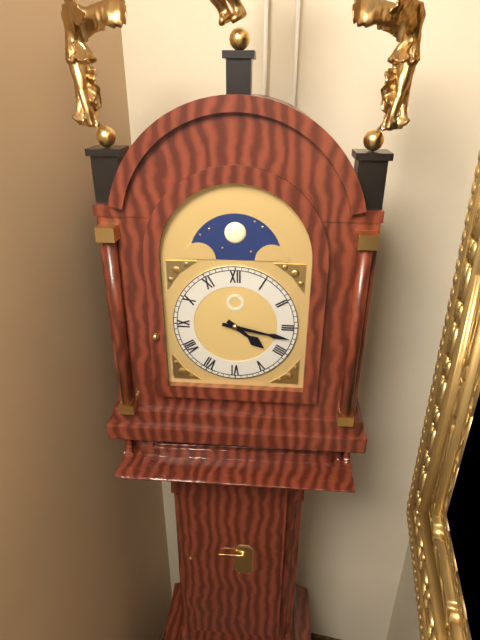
4:17
